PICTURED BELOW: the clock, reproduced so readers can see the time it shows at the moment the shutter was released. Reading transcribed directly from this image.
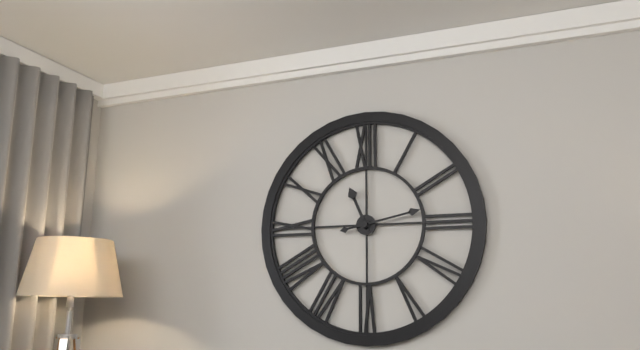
11:13
